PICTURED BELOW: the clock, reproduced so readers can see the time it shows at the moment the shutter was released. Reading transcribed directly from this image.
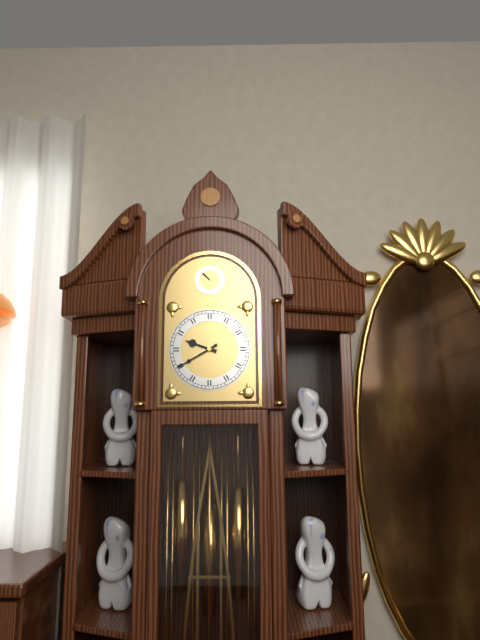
9:40
